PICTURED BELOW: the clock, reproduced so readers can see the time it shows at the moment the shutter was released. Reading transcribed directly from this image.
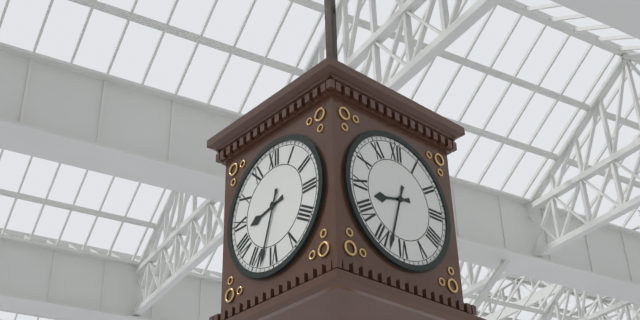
8:33
